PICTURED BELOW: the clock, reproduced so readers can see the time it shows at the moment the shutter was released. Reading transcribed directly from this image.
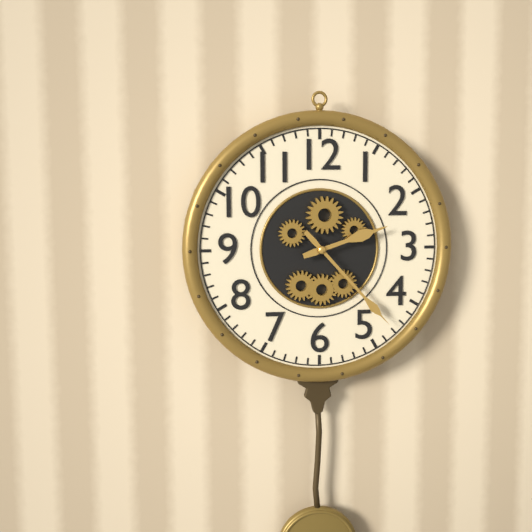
2:23
